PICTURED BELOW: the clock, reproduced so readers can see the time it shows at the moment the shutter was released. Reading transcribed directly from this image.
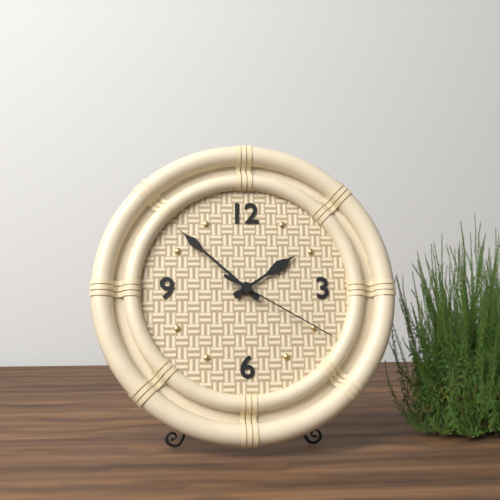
1:52:20
